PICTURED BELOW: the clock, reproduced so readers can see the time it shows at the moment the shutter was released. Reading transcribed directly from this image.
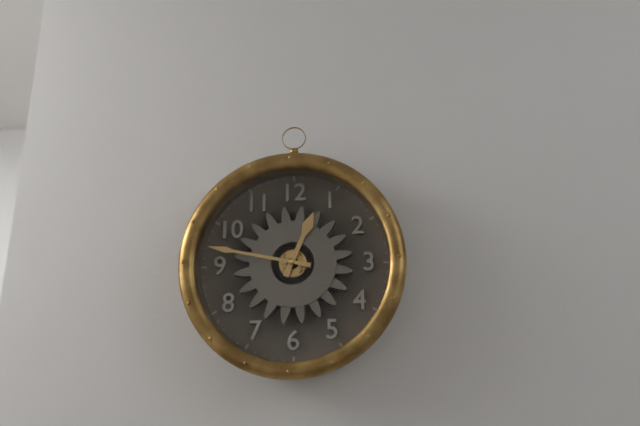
12:47
